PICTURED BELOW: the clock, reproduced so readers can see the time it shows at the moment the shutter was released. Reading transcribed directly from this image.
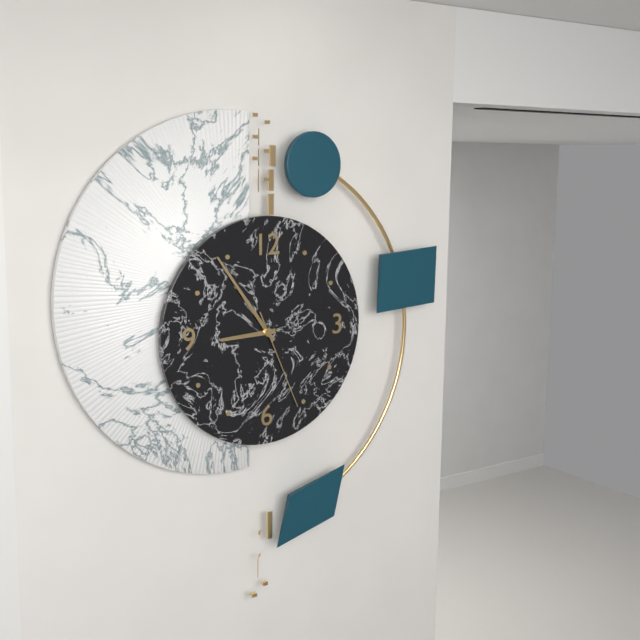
8:54:26
